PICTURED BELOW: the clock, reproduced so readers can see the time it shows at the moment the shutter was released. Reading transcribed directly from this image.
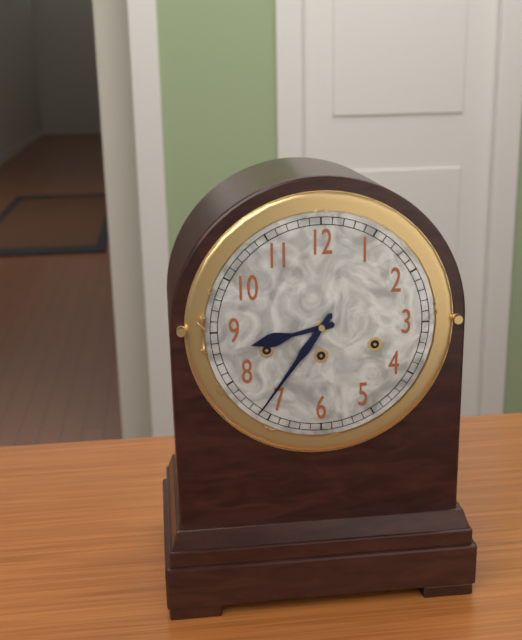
8:36
